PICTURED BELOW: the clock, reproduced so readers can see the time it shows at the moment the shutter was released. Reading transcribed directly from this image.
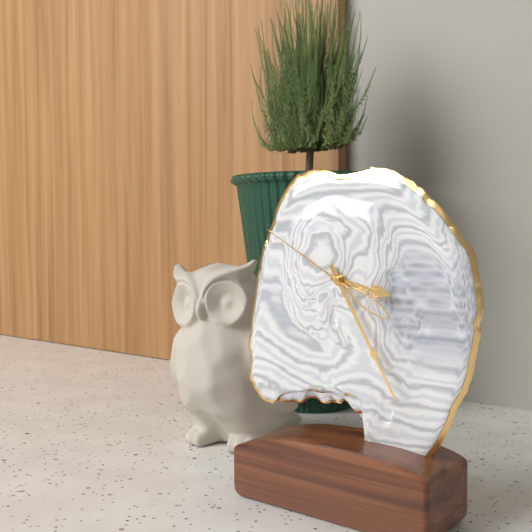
3:25:50
